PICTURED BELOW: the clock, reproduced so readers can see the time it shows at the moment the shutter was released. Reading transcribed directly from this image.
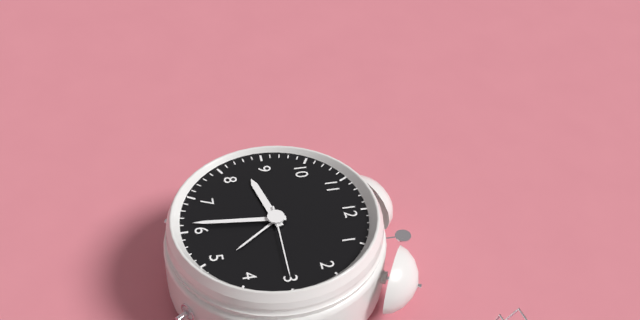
8:31:15
